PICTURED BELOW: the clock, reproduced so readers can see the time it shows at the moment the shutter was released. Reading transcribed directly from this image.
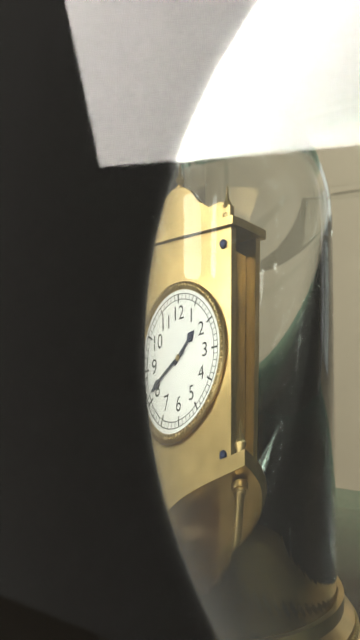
1:41
